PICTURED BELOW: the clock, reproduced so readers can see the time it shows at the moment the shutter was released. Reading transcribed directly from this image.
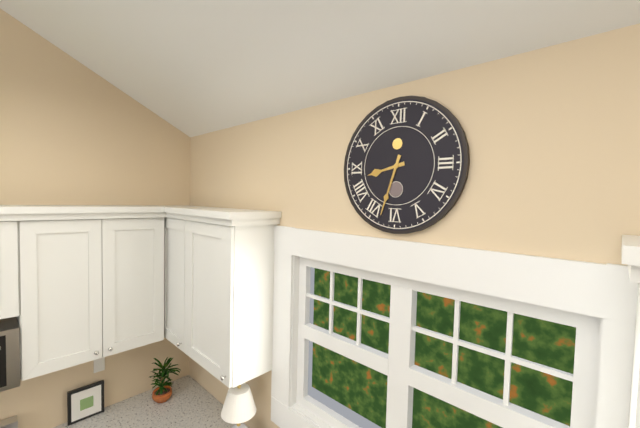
8:33
